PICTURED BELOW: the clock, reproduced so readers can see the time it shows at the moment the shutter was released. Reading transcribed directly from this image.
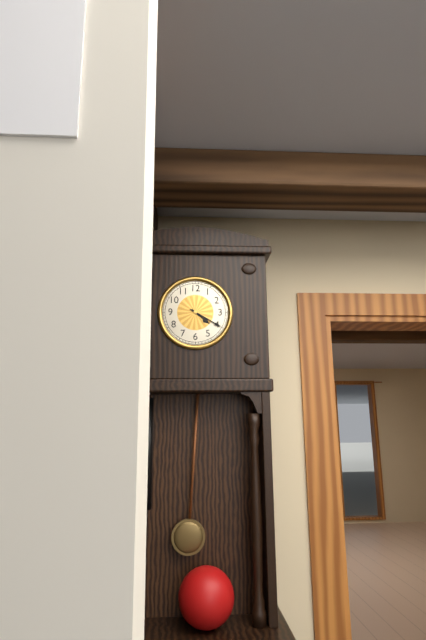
4:20
